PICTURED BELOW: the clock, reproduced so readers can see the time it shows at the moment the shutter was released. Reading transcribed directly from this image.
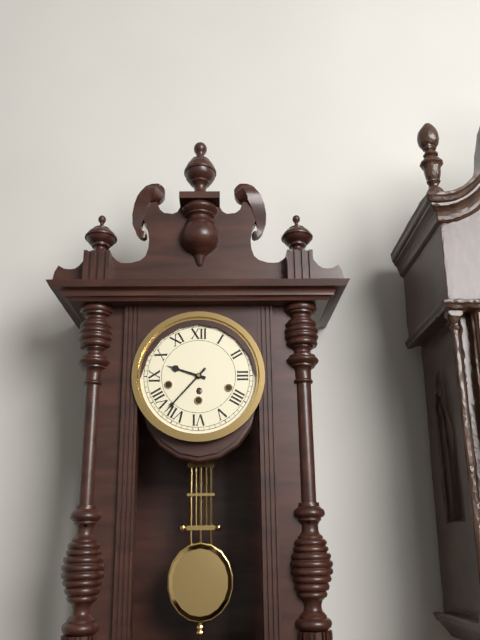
9:37
